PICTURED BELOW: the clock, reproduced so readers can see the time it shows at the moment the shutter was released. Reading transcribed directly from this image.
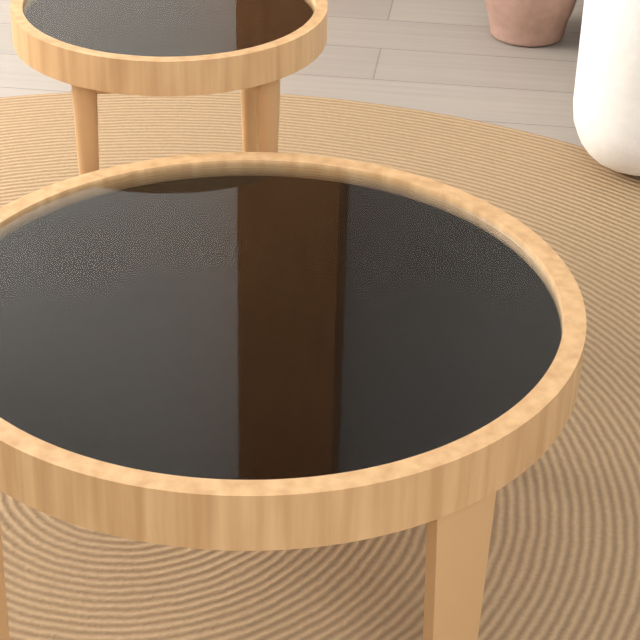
10:44
